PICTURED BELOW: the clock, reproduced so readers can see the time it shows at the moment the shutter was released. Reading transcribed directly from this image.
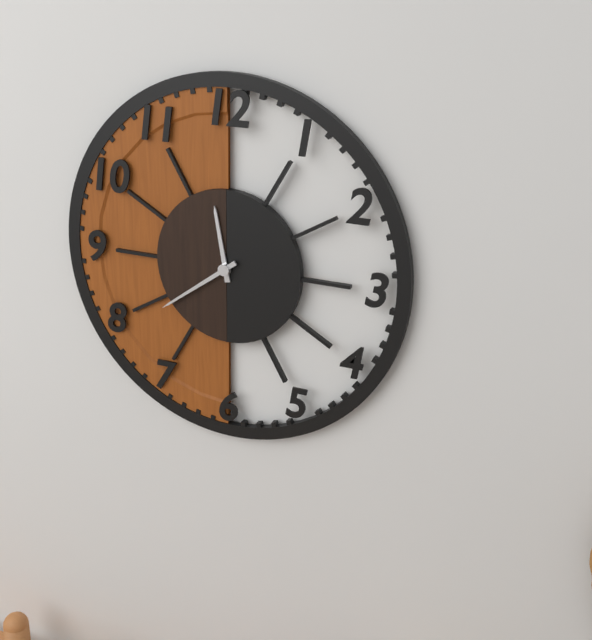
11:39
